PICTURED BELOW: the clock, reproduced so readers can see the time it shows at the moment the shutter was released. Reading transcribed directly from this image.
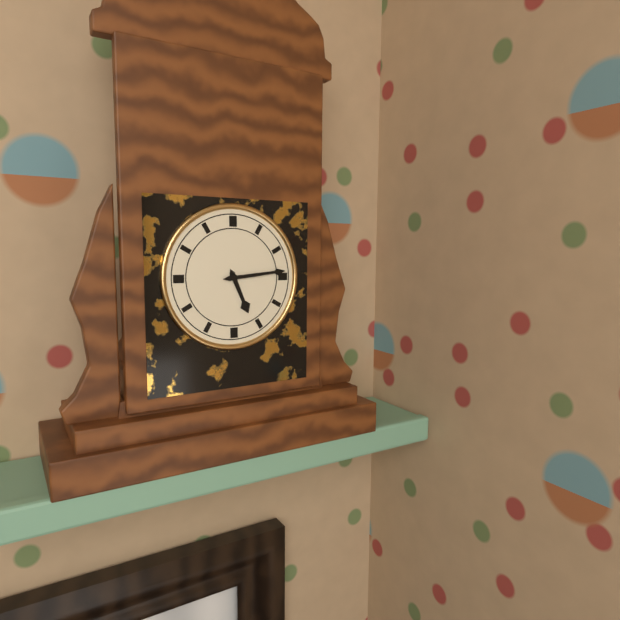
5:14
